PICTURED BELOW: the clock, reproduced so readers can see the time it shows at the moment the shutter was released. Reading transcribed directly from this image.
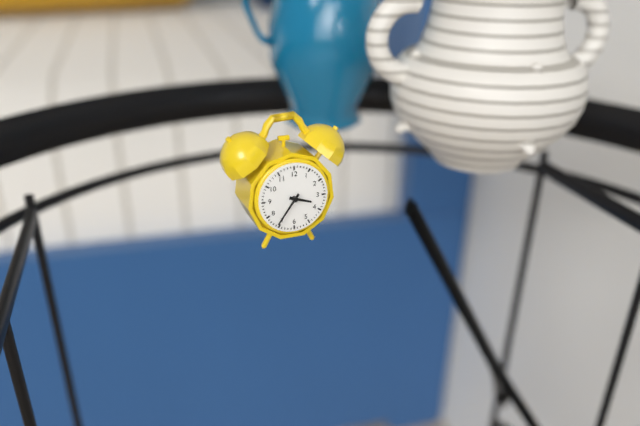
3:36
